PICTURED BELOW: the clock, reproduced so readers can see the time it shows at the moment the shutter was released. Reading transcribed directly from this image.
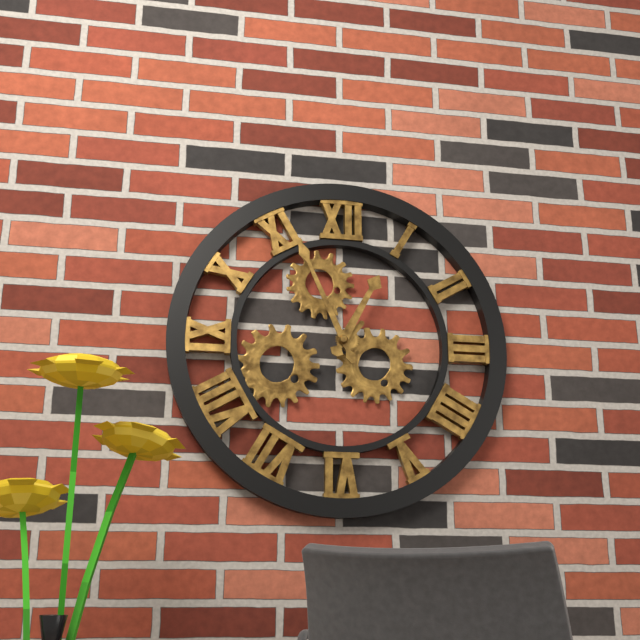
12:56
